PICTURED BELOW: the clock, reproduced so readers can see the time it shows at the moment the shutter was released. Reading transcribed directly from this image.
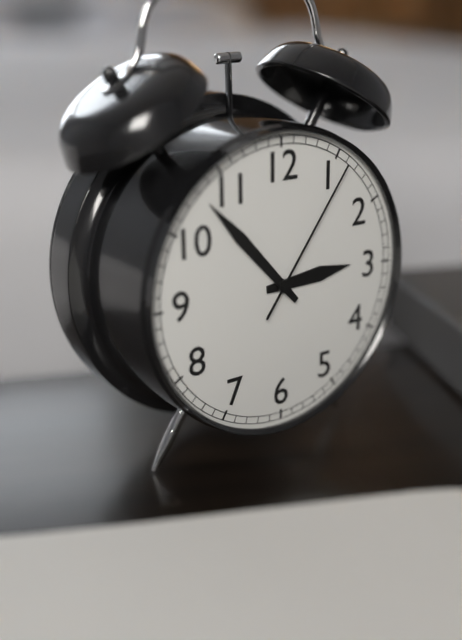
2:53:06
